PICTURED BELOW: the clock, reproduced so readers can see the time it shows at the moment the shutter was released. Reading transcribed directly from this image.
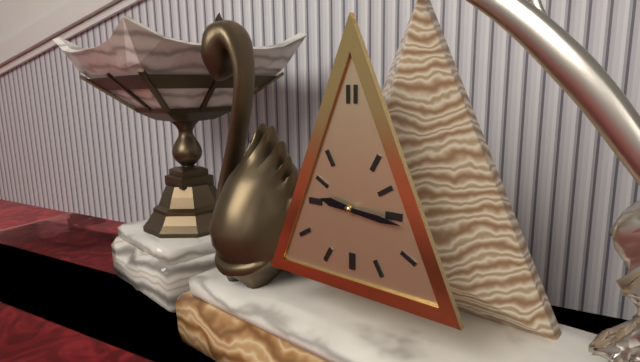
9:16
